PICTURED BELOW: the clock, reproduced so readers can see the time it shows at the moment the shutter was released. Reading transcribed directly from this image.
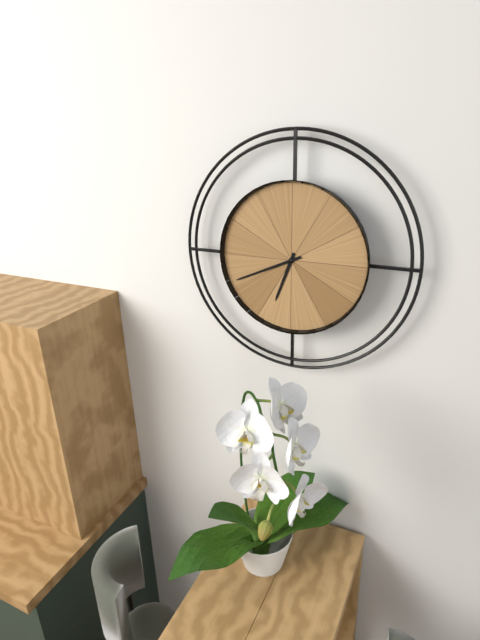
6:41
